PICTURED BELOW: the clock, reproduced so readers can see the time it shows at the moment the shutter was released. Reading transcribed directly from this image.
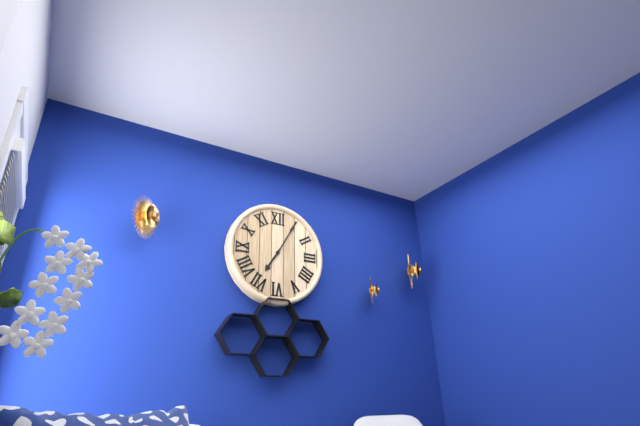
7:05
